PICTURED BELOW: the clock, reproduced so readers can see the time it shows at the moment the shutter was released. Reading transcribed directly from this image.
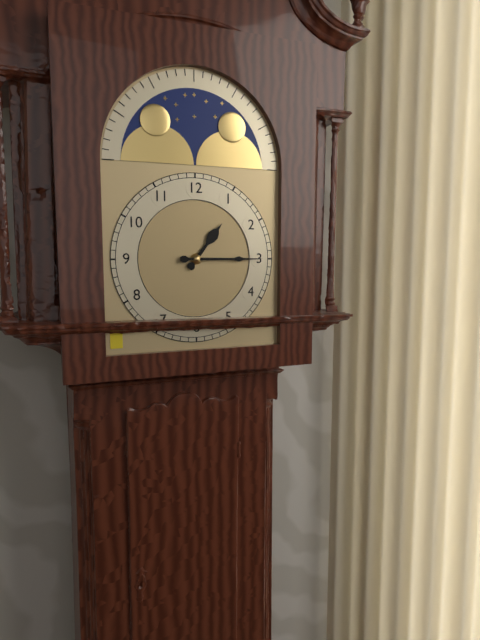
1:15
